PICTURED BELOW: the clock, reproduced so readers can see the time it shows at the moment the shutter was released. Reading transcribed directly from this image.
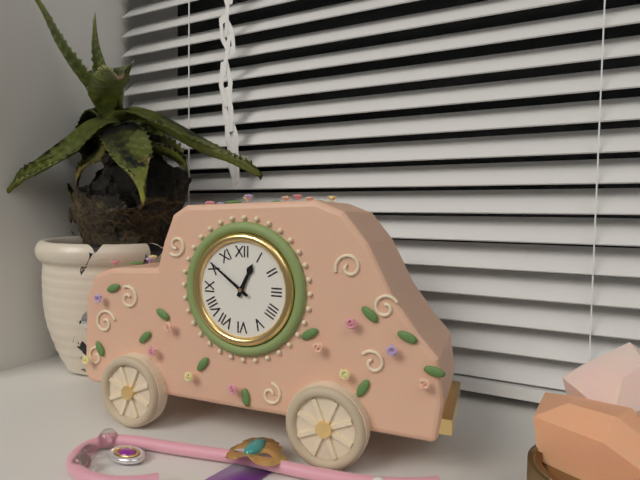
12:51
